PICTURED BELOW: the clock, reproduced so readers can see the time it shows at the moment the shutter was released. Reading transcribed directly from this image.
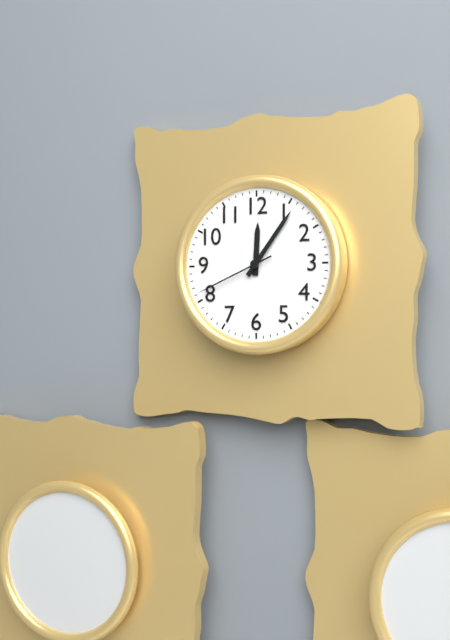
12:06:41
